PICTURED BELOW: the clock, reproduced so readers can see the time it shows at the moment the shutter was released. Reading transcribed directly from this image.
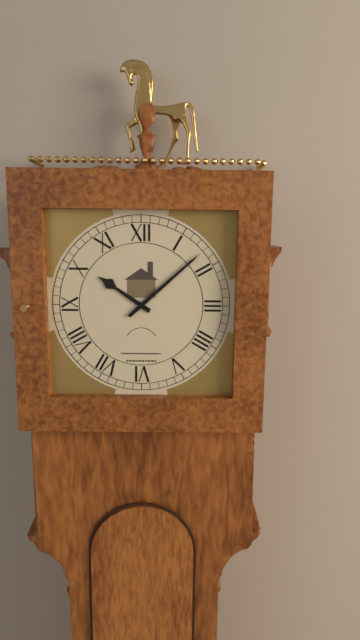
10:08
